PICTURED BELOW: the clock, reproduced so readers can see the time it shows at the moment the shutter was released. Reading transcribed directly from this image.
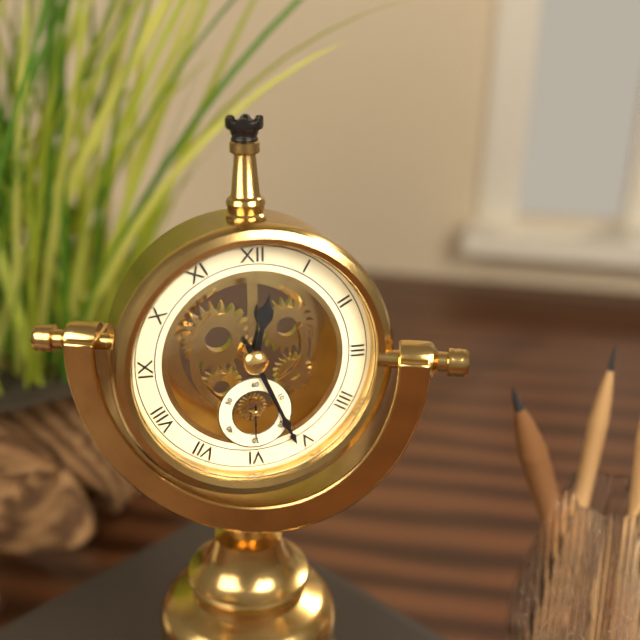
12:26
